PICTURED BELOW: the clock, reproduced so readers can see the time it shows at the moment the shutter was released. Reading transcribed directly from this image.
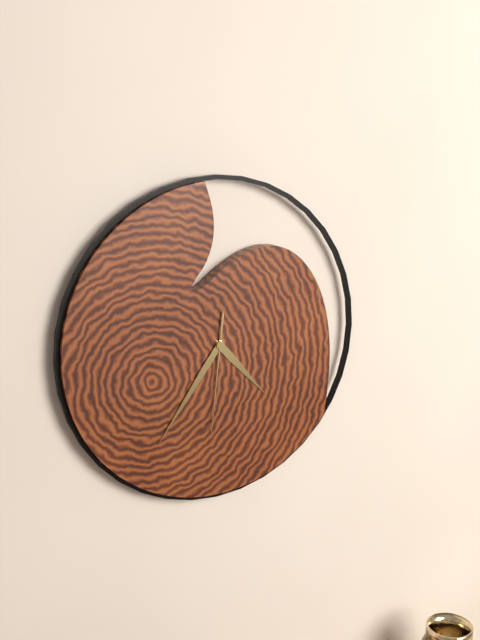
4:36:31
